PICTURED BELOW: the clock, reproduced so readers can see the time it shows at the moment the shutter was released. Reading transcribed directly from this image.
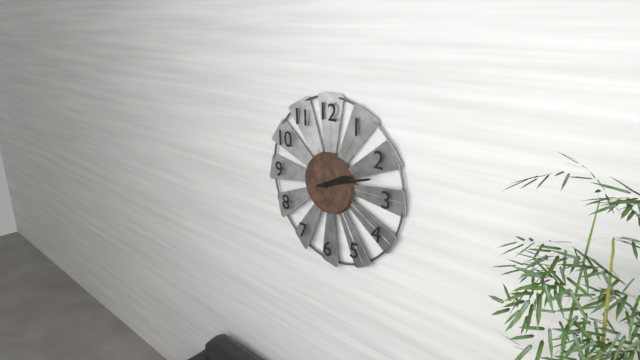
2:12
